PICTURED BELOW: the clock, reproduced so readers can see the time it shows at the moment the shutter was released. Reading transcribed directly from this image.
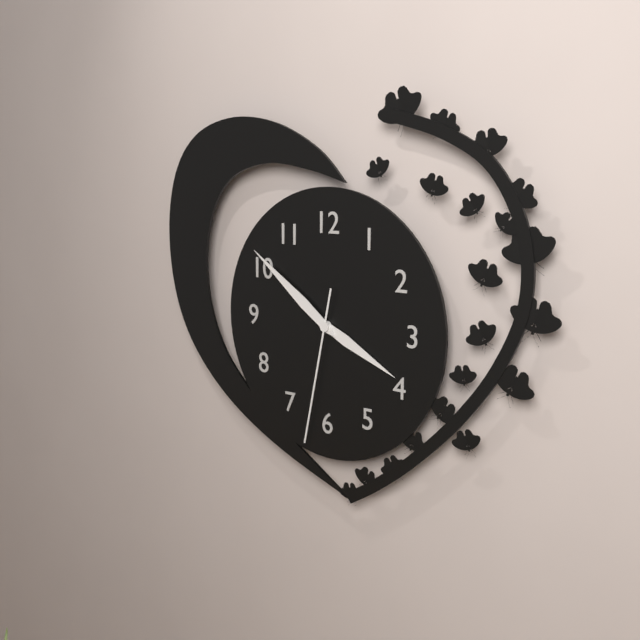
3:51:32
